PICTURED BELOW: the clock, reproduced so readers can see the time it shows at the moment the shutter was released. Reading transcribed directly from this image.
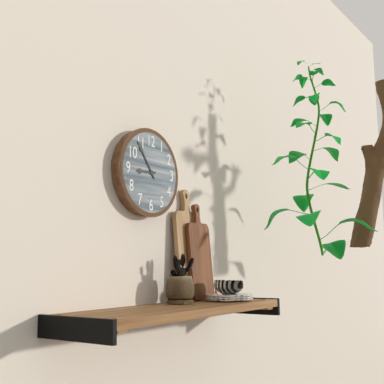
8:54
